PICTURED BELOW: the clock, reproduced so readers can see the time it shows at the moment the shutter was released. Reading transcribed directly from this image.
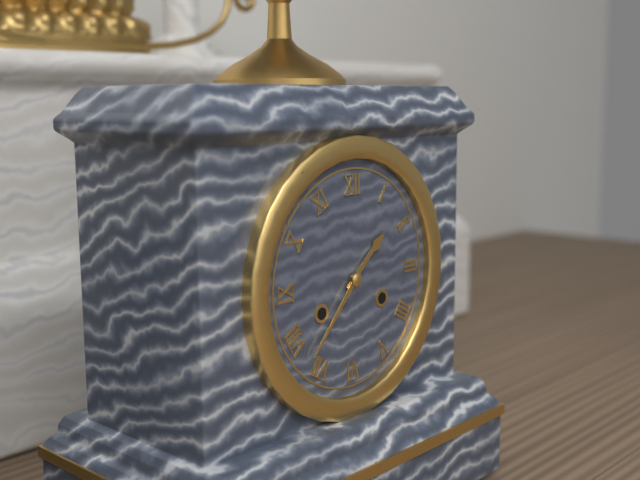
1:37
